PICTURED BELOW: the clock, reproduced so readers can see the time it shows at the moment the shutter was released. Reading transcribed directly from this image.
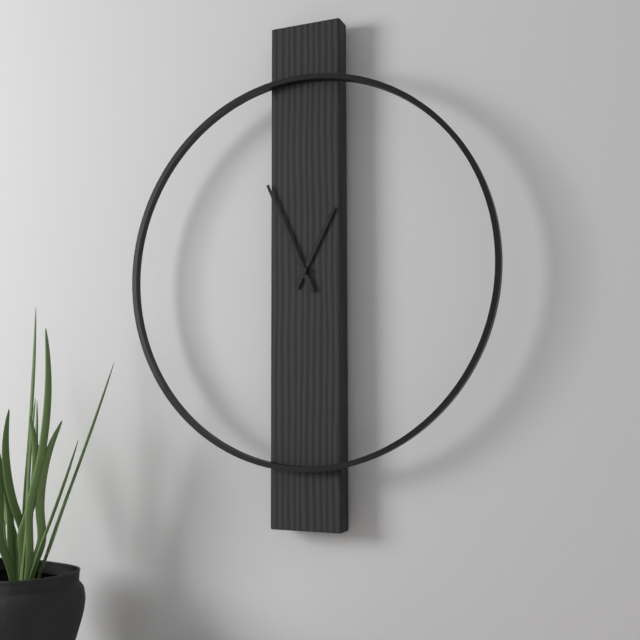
12:56
